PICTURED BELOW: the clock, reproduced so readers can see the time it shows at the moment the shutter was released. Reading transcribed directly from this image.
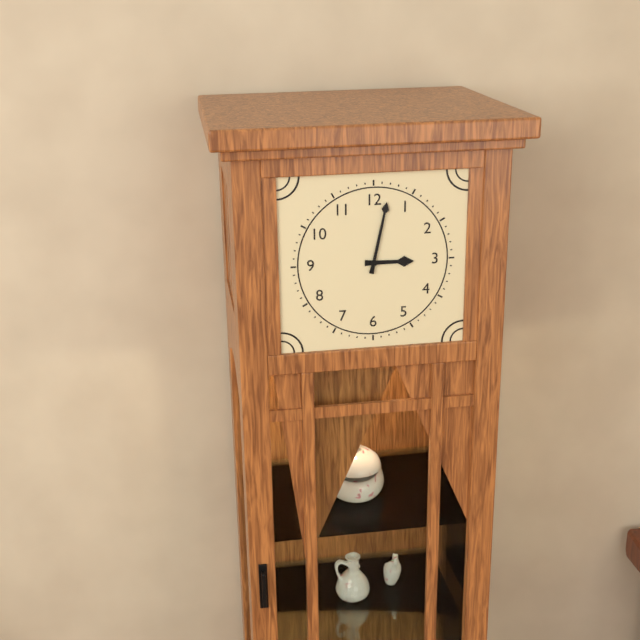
3:02
